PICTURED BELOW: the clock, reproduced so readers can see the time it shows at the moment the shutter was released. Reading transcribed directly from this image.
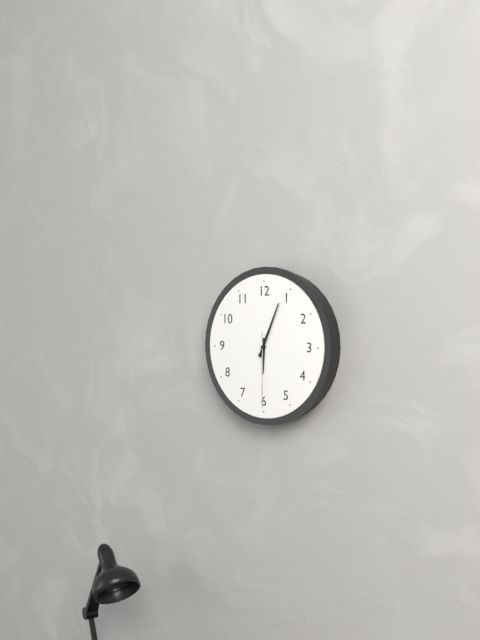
6:04:30
